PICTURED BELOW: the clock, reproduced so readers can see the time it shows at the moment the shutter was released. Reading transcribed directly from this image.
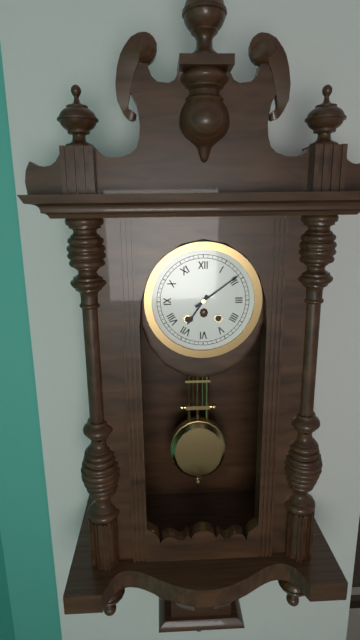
7:09
